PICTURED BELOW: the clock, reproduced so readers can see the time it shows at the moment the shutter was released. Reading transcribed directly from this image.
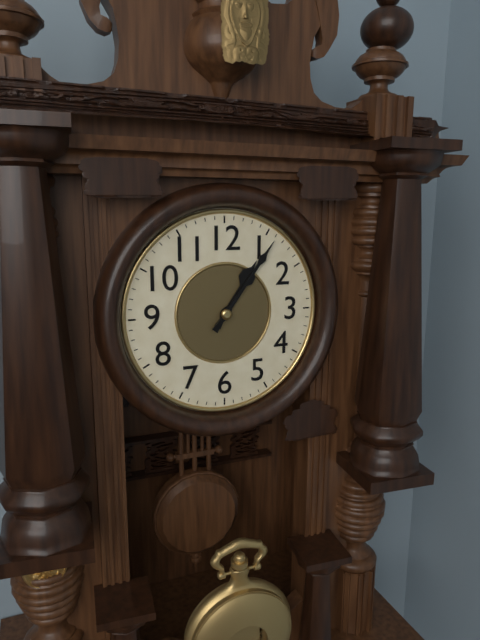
1:06
